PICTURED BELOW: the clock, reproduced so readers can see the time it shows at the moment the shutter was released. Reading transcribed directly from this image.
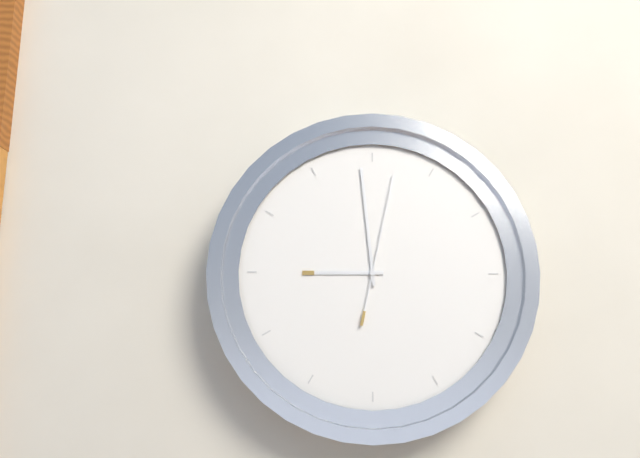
8:59:02
